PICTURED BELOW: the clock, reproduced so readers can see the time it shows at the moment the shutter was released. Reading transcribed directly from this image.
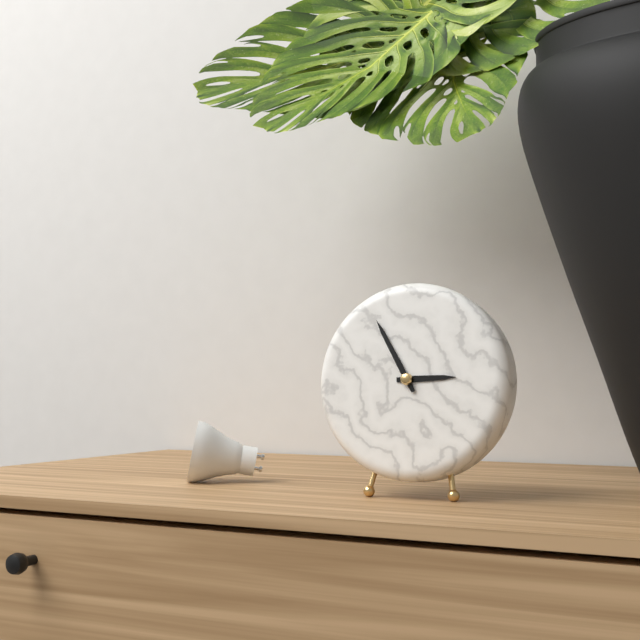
2:55
